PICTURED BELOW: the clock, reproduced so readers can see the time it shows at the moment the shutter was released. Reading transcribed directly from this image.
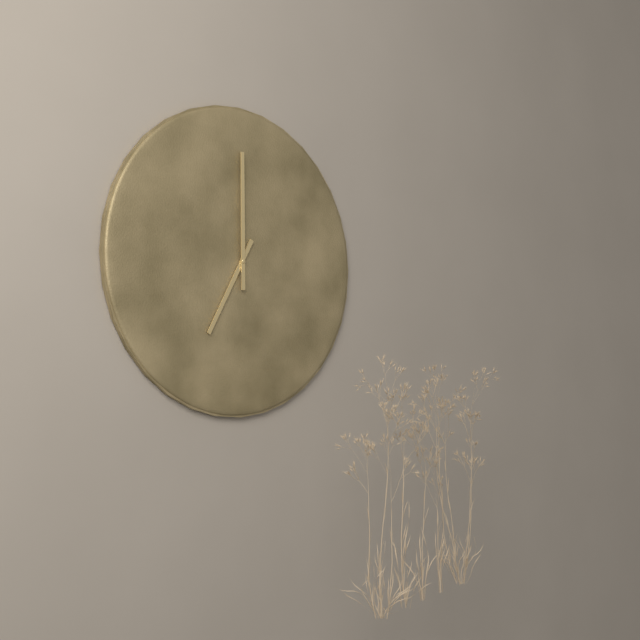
7:00
